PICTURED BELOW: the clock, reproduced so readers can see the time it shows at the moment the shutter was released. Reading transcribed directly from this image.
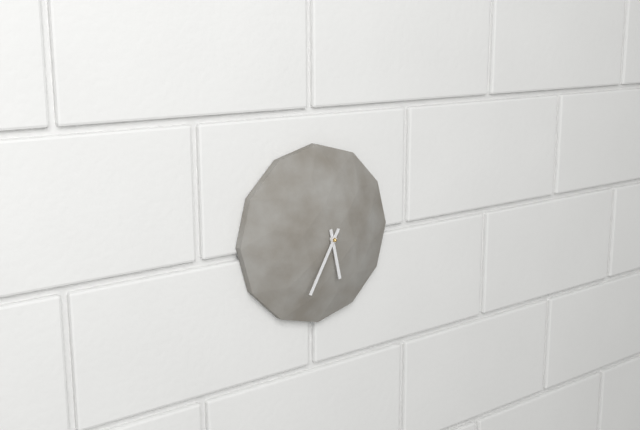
5:35
